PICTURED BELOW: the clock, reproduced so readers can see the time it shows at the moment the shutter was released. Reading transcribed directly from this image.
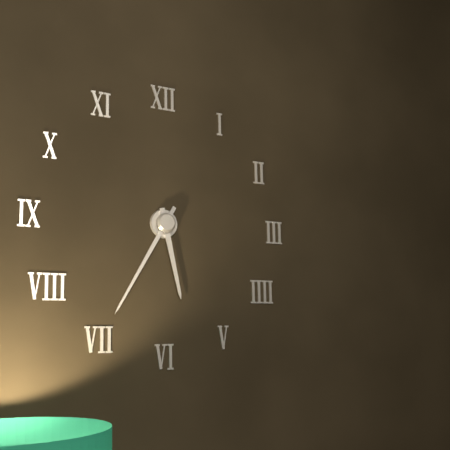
5:35
